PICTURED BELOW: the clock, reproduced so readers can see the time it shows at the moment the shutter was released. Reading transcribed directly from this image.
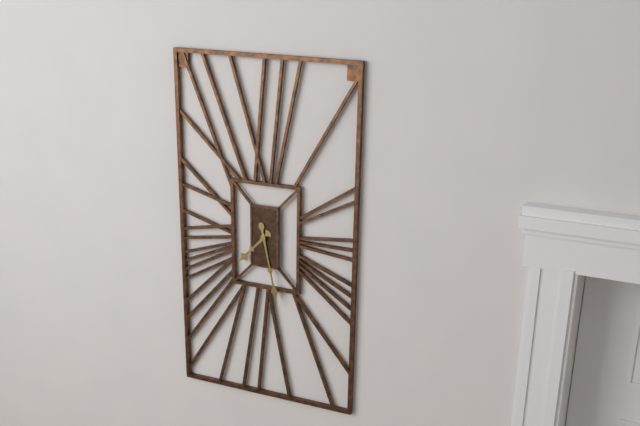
7:28
